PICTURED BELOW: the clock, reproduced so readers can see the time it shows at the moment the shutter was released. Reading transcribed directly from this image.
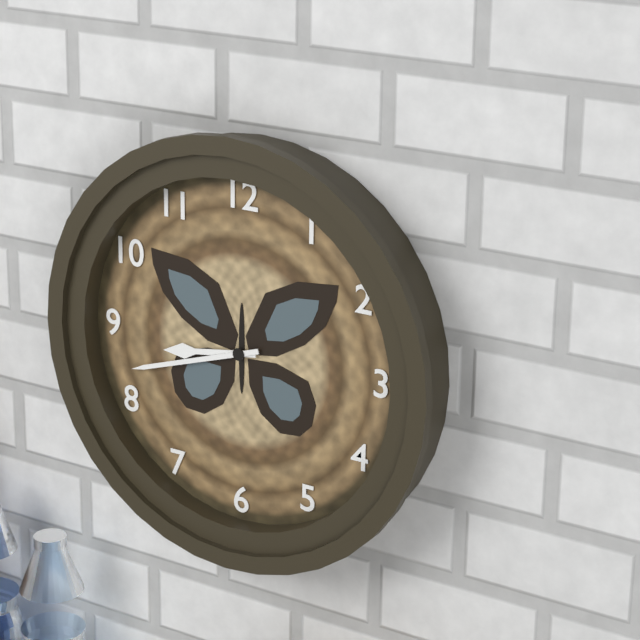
8:42
